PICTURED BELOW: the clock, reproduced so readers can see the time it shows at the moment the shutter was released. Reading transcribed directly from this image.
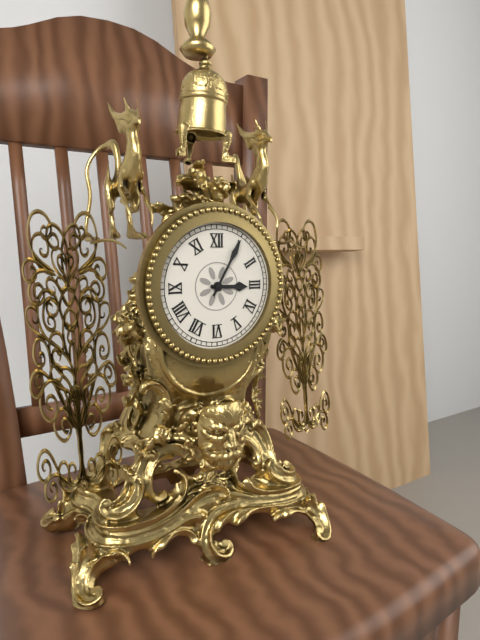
3:05
